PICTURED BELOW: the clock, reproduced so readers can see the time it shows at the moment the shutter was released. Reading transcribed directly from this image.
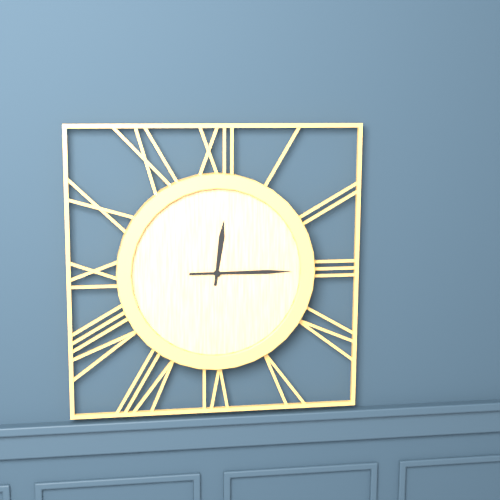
12:15
